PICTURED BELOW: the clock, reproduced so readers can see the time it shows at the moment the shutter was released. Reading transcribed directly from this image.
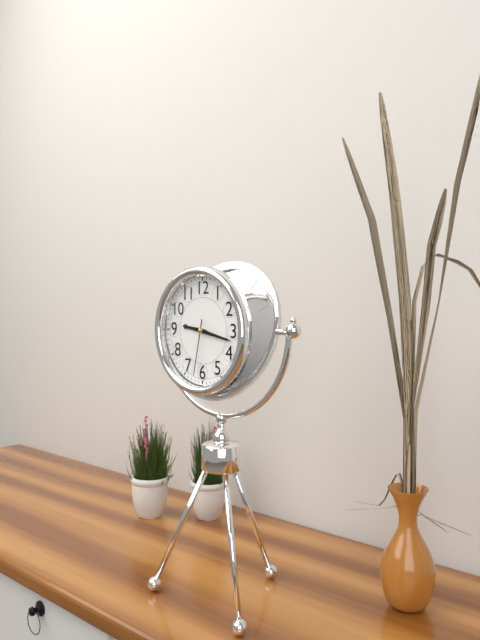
9:17:32
